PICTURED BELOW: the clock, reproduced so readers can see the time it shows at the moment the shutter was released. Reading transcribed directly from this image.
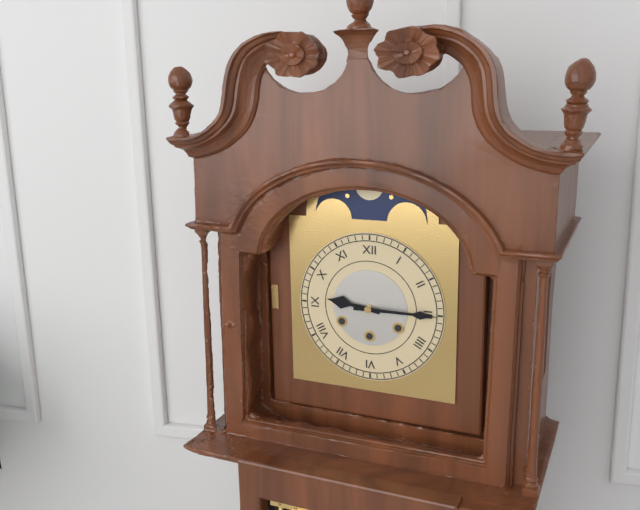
9:15
